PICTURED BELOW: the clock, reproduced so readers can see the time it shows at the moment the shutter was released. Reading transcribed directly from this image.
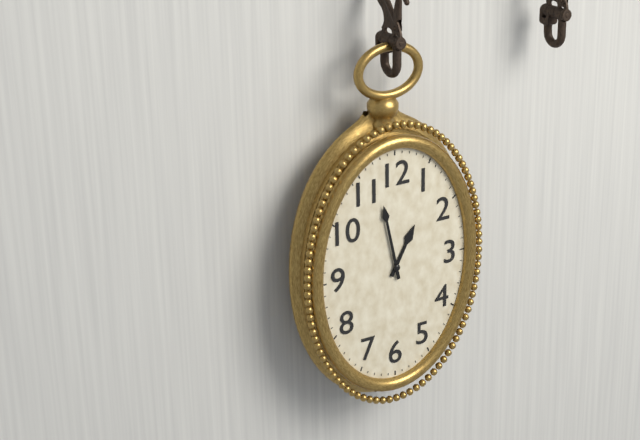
12:58
